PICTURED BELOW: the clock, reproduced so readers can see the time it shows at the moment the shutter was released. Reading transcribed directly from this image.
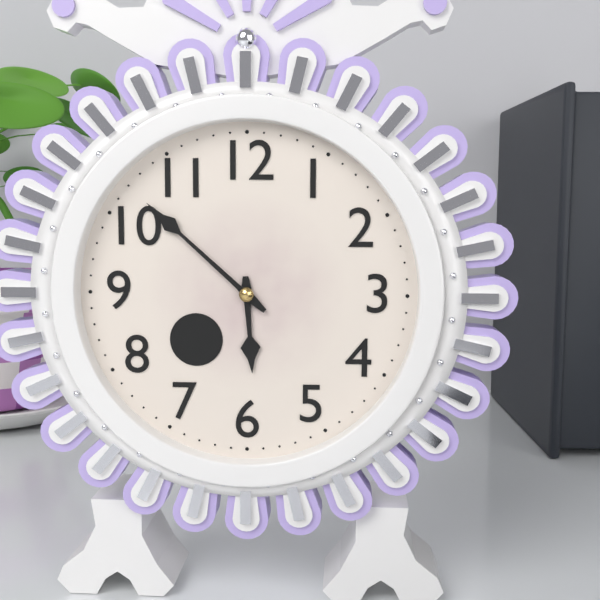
5:52
